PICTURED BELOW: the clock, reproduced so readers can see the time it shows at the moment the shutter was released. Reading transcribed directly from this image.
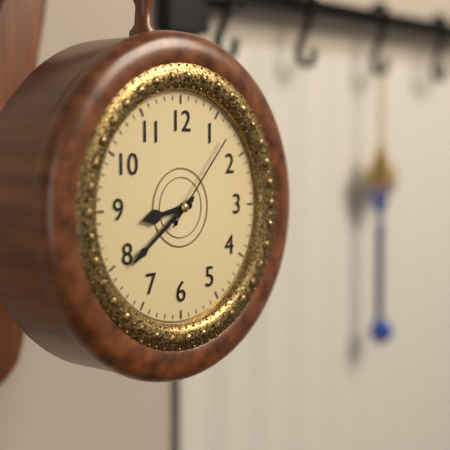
8:39:07
